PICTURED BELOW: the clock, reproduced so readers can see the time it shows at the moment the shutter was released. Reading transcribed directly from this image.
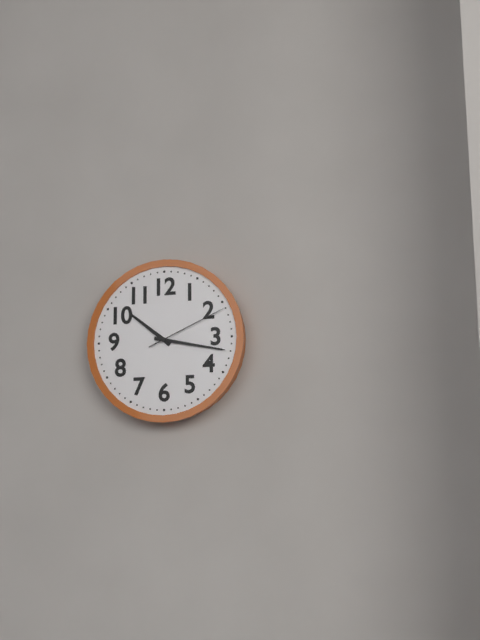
10:17:11
